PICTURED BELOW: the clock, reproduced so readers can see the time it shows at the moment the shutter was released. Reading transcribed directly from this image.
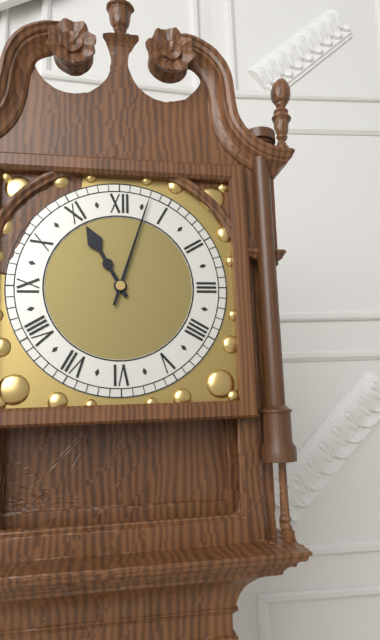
11:03
